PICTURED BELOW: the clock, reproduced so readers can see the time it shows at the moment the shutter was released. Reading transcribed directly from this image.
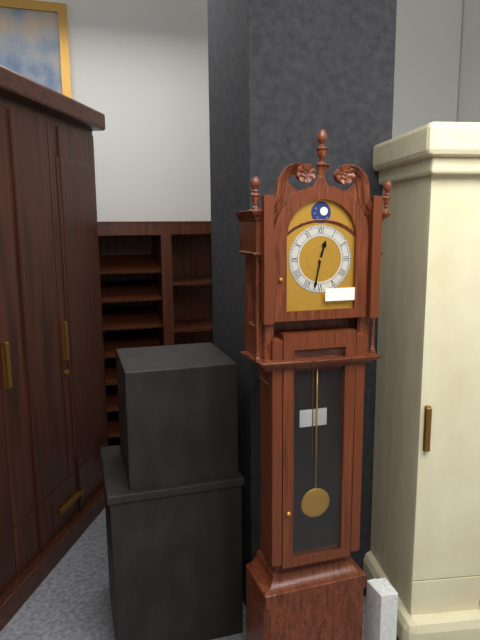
12:32
